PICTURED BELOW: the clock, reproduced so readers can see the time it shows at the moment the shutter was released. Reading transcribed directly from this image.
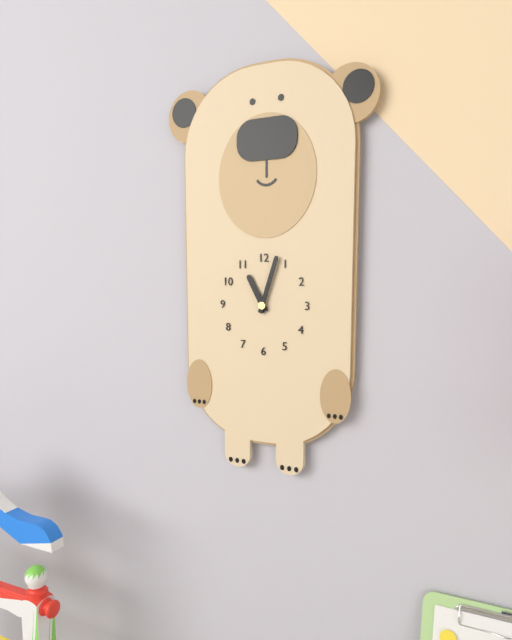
11:03
